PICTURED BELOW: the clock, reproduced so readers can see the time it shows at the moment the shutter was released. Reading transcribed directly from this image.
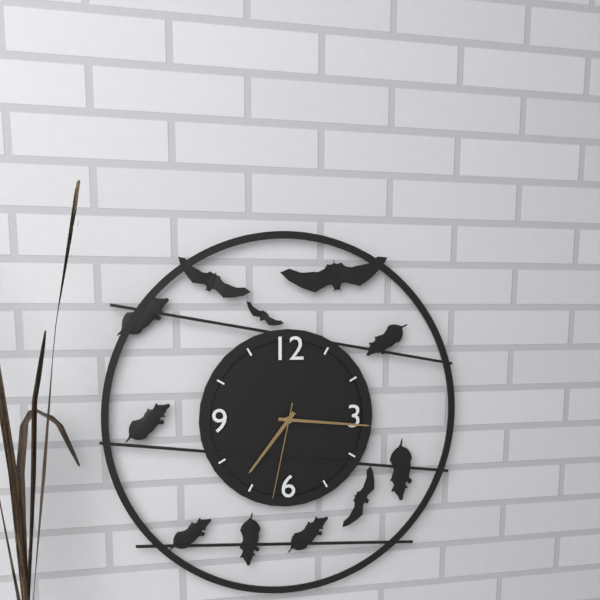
7:16:32
